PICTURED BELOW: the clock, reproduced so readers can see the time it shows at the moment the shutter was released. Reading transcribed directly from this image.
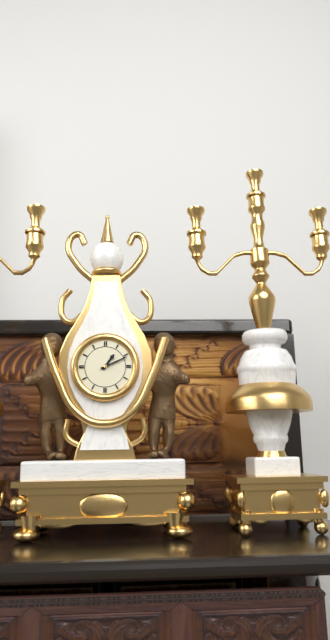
1:11
